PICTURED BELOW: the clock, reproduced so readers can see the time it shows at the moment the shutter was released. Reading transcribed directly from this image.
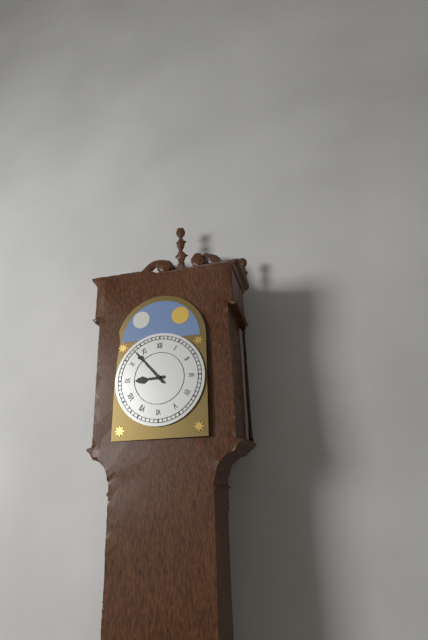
8:53
